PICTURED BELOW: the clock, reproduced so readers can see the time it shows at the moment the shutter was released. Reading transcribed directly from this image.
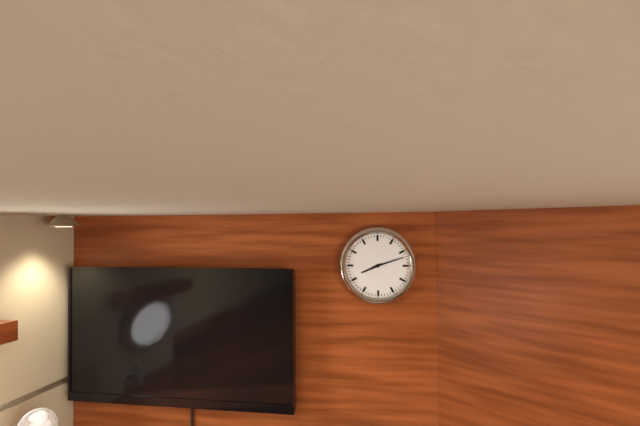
8:12
